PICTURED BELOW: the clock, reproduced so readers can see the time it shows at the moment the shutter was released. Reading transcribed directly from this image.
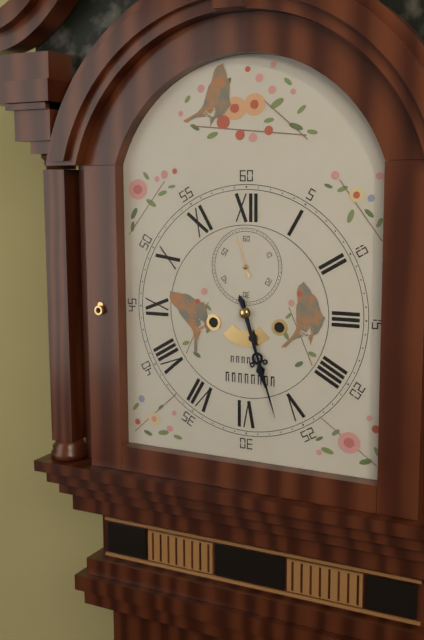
5:27
